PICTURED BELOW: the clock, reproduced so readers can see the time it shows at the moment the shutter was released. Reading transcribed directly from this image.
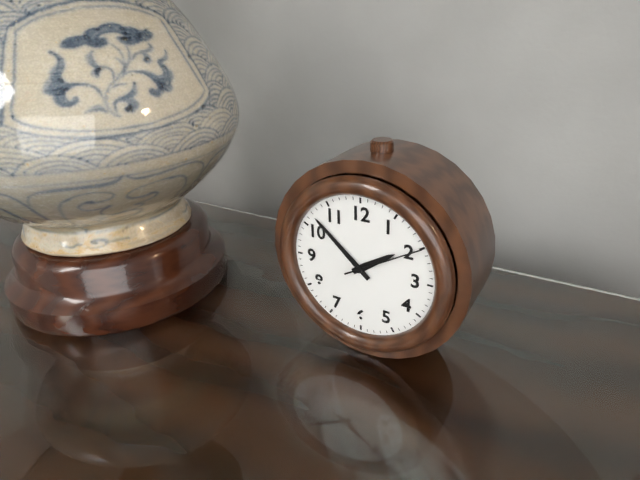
1:52:10
